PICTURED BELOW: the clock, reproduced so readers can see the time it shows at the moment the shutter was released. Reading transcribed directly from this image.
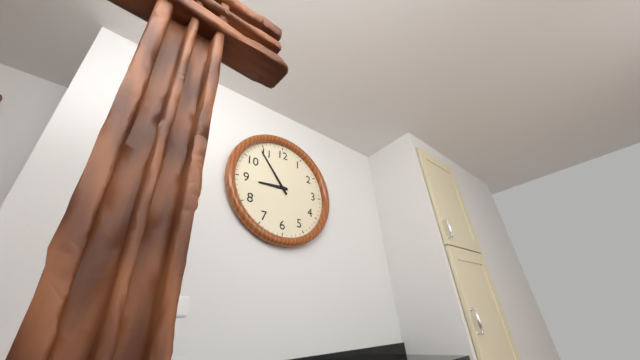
8:54
